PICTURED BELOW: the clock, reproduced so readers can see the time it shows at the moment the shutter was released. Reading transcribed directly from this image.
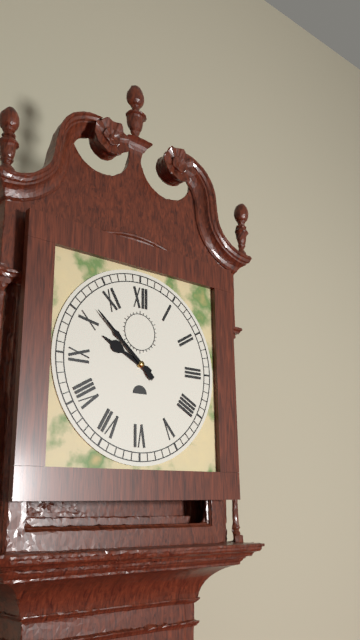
9:52
